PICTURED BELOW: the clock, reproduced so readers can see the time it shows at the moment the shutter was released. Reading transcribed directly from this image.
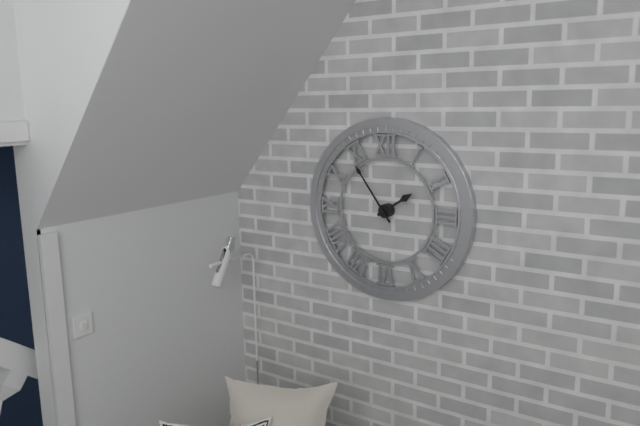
1:54
